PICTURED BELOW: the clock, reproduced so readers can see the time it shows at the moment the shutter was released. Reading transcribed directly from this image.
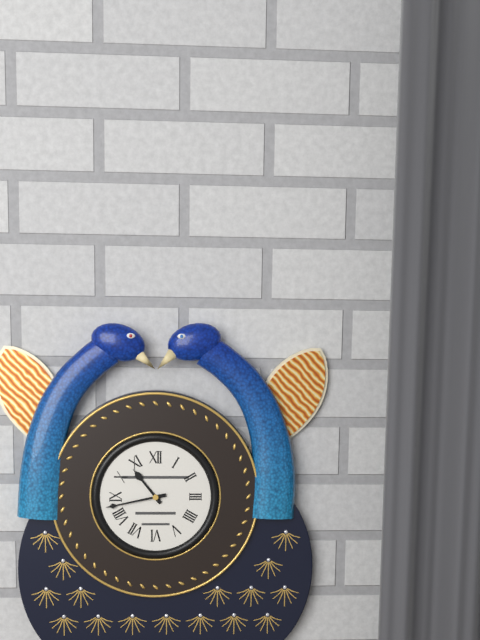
10:43
